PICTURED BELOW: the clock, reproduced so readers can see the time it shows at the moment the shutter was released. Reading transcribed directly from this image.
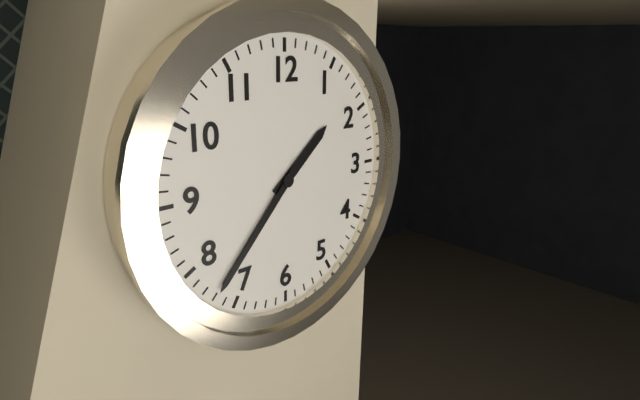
1:37
